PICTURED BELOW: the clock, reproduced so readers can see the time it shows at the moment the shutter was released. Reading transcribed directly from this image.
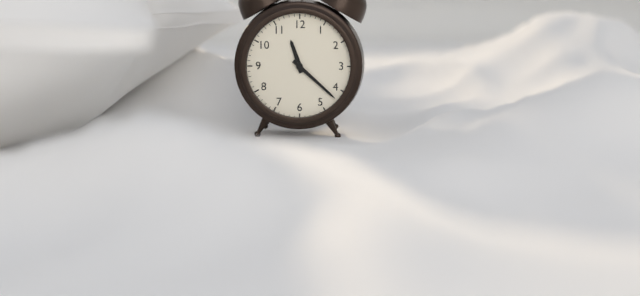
11:22
